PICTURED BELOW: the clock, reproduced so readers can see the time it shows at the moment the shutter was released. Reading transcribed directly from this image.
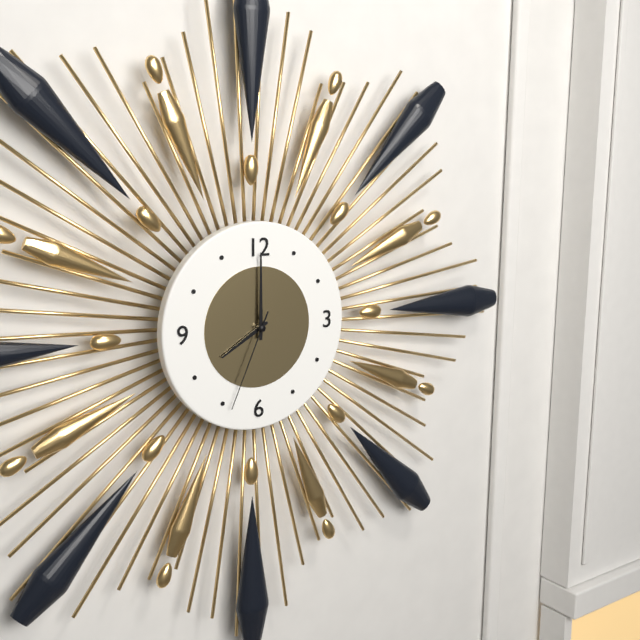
8:00:34
